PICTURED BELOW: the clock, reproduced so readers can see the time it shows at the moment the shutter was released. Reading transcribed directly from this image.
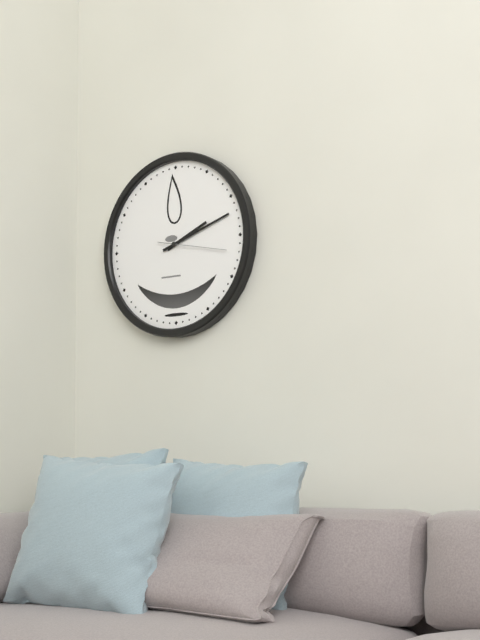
2:12:17
